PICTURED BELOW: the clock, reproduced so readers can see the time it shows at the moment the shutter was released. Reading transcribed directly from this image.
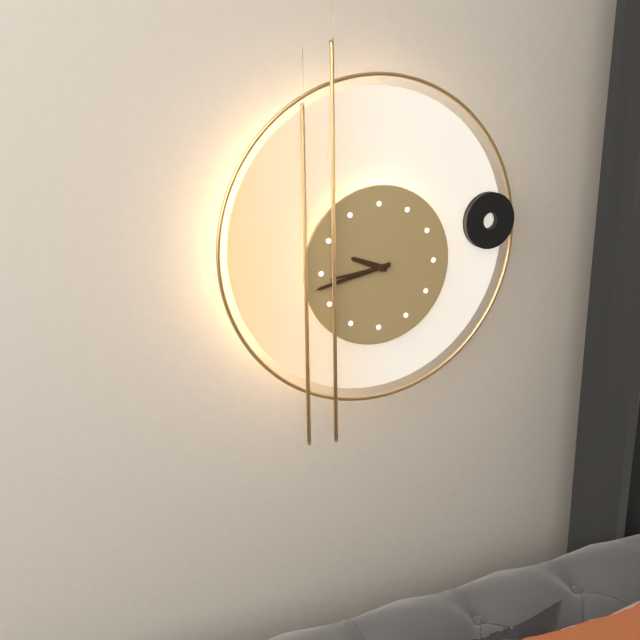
9:43:44
